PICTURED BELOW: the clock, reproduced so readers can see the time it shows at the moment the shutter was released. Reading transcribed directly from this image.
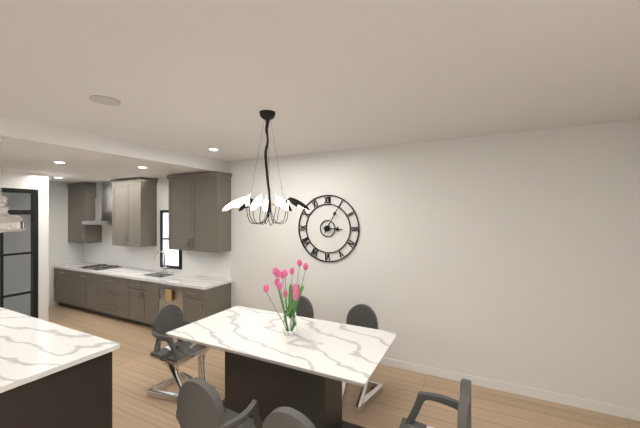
3:05
